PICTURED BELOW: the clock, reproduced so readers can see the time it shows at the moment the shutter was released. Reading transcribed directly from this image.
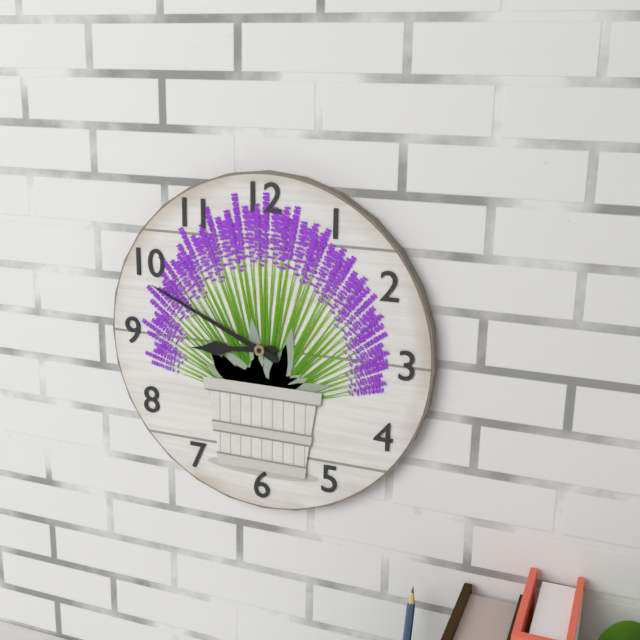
8:49
